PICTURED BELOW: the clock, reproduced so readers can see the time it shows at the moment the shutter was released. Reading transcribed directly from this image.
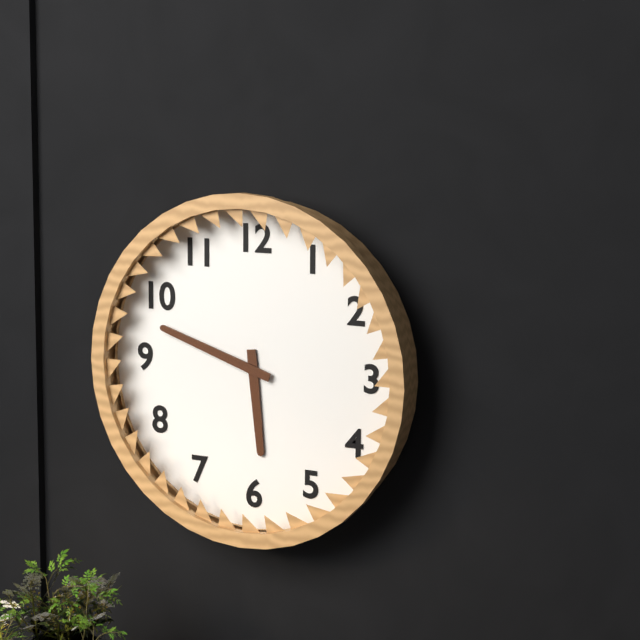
5:48
